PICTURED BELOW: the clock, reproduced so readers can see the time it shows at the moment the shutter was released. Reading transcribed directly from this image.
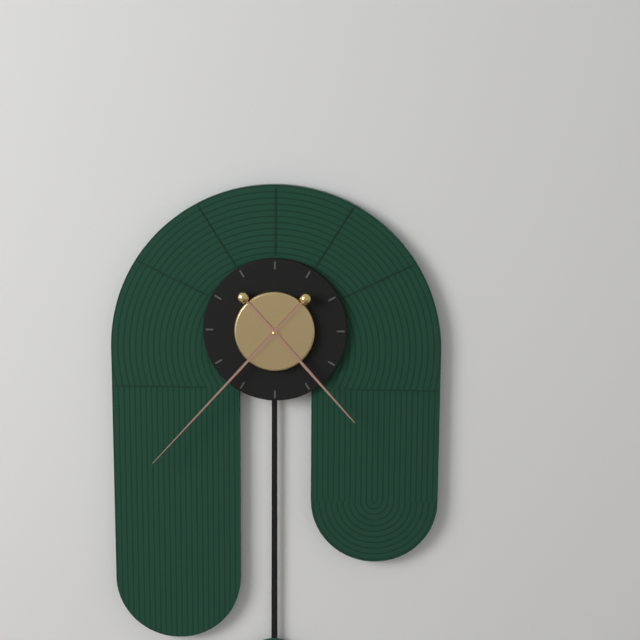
4:37
